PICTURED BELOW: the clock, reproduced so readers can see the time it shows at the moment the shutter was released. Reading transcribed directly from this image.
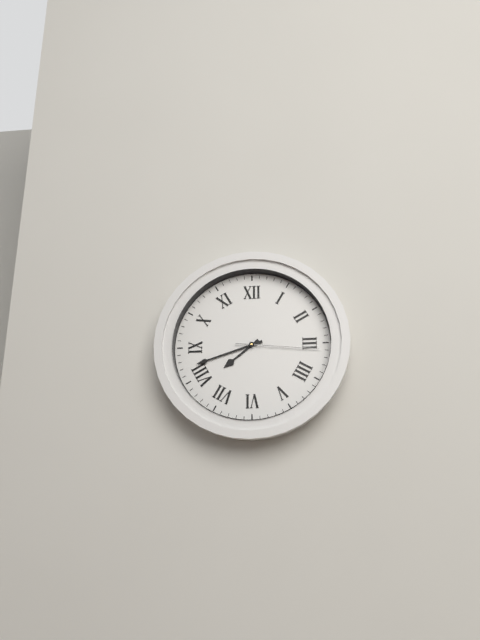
7:42:16
